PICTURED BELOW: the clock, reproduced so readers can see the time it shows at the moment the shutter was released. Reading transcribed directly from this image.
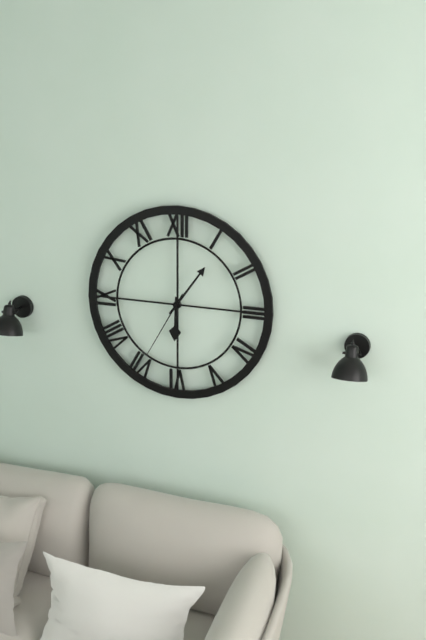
6:06:35
